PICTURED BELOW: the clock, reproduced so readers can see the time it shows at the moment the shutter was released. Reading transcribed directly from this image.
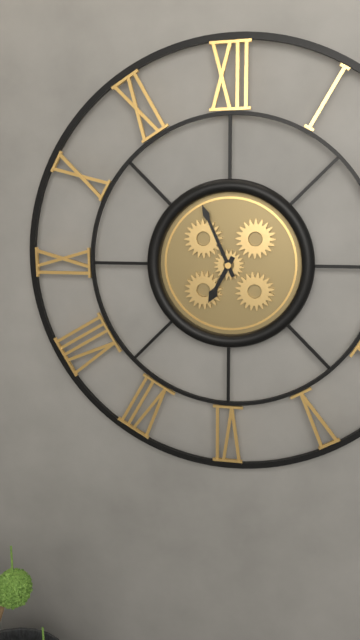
6:56
